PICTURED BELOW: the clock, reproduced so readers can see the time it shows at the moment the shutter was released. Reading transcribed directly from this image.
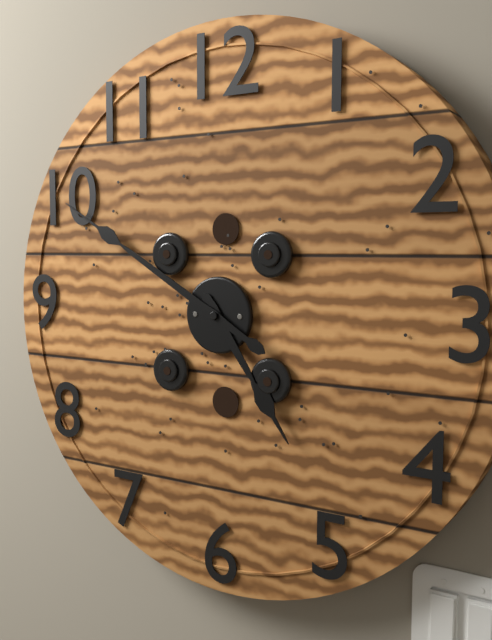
4:50
